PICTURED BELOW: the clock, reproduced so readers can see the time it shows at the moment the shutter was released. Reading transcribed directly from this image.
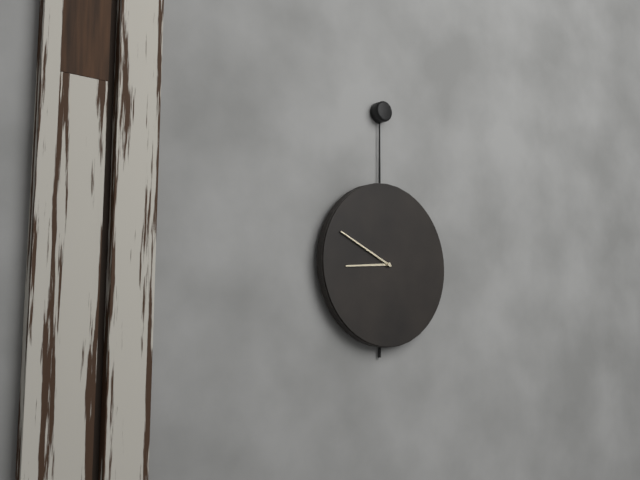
8:49
